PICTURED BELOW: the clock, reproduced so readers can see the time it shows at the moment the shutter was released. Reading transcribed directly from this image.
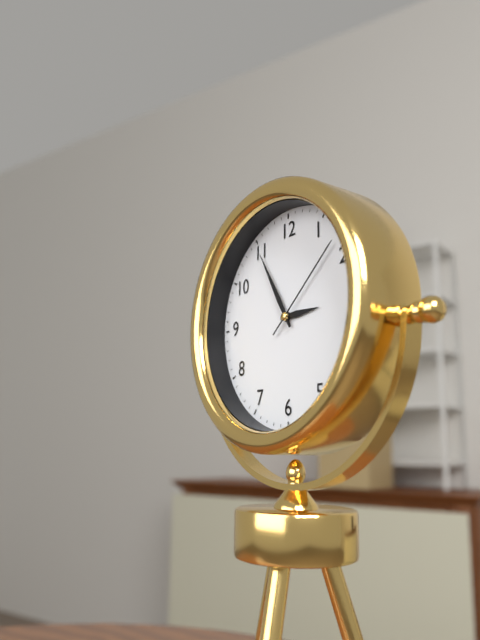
2:55:08
